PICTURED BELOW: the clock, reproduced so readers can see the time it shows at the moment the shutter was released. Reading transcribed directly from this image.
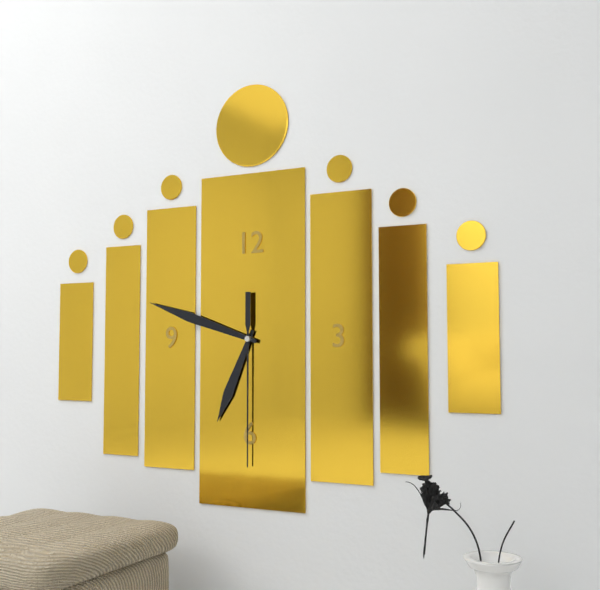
6:48:30
